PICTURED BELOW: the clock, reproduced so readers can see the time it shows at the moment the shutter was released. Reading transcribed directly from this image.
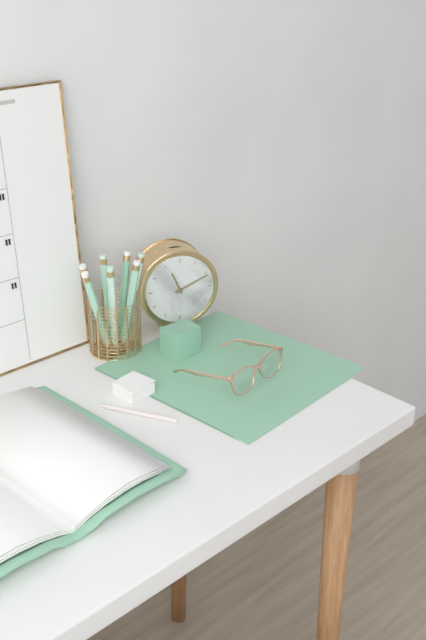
11:11
